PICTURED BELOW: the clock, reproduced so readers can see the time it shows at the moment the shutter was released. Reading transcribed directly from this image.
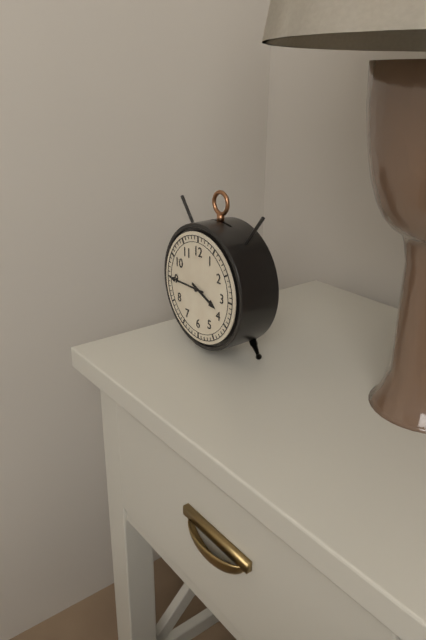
3:45
